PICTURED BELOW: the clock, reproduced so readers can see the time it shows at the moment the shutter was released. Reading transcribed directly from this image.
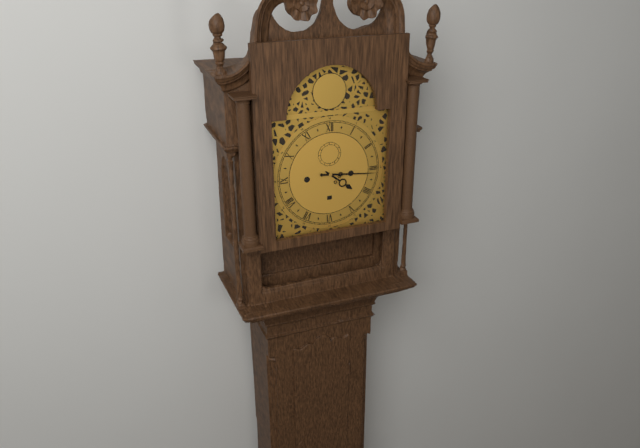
4:16
